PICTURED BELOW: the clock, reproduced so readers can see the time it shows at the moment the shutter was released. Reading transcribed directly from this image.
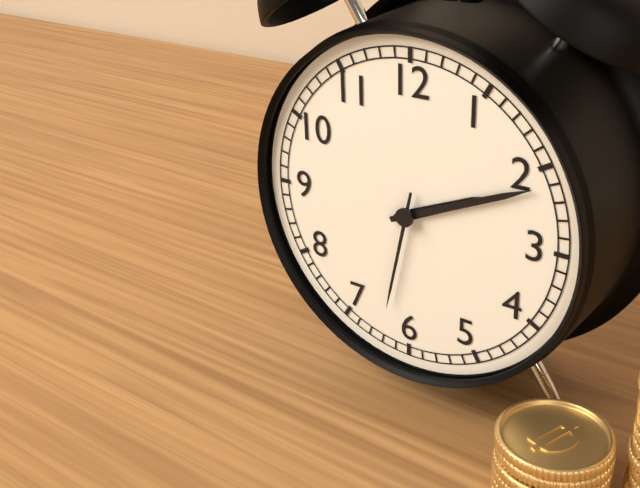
2:11:32
